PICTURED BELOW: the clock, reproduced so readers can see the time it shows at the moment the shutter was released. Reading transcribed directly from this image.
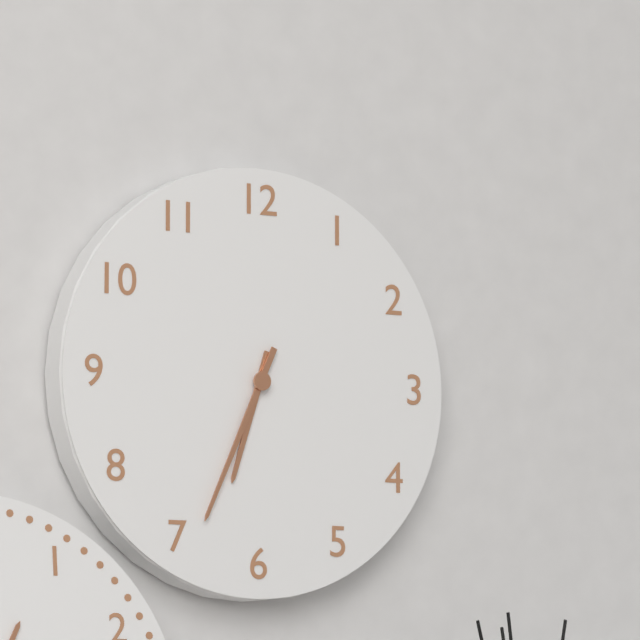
6:34
